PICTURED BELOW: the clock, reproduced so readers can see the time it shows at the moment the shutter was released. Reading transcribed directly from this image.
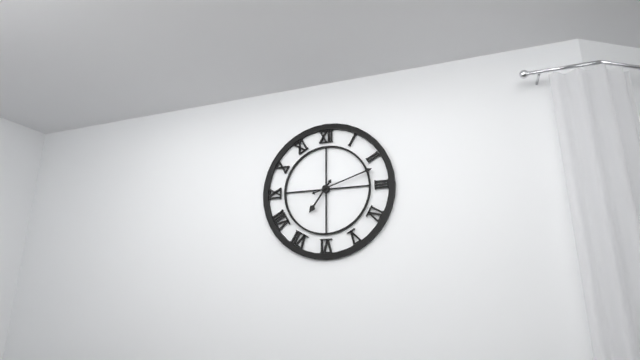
7:12
